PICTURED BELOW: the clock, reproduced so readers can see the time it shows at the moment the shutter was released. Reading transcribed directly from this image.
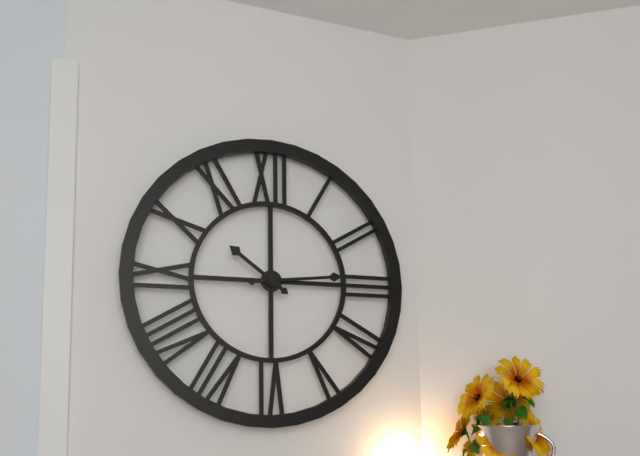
10:14
